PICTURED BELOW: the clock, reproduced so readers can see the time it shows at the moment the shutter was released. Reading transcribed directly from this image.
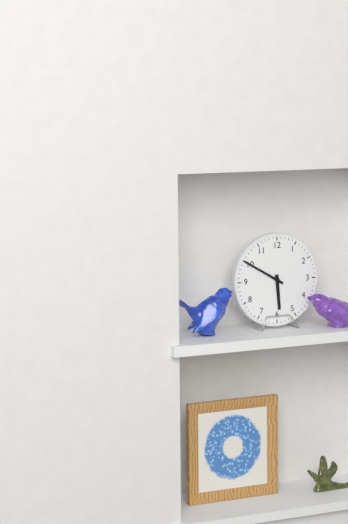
5:50
